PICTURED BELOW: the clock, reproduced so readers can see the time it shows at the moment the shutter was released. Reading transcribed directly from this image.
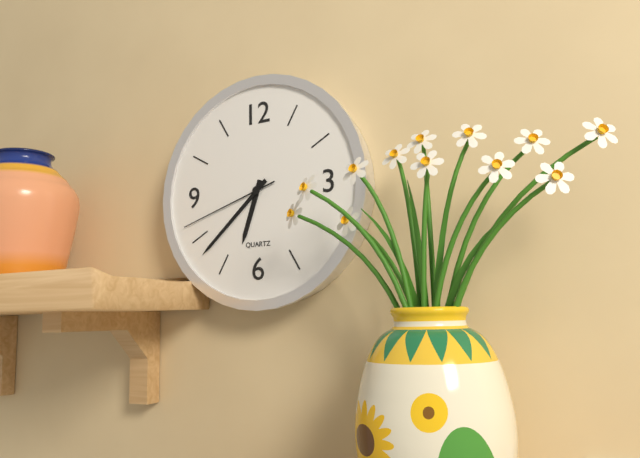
6:38:42
